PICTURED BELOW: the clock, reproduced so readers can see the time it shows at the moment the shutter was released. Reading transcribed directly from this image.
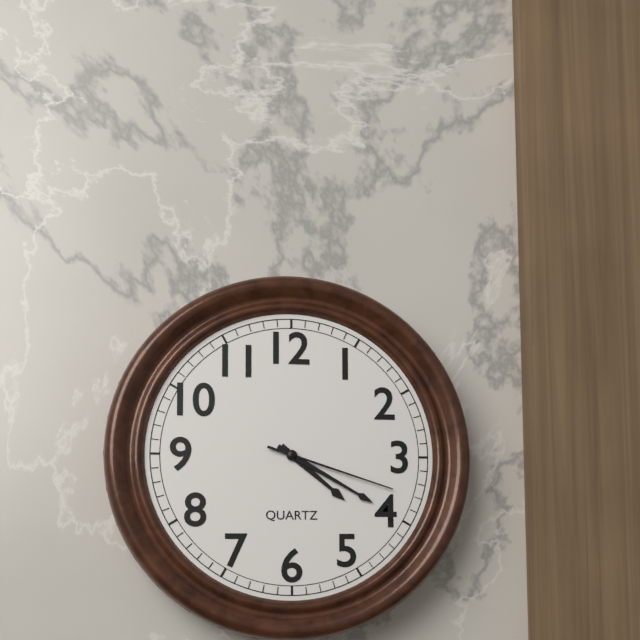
4:20:18
